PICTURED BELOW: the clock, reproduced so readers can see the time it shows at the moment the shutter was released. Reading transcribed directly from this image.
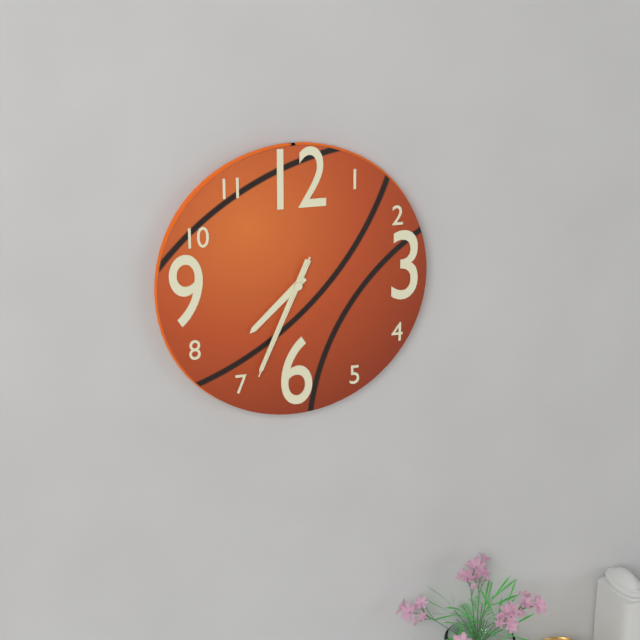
7:34:34
